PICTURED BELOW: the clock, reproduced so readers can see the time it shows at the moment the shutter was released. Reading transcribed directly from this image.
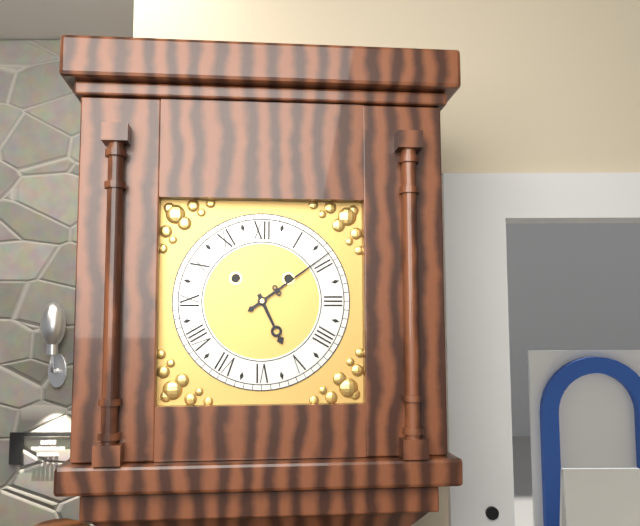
5:09
